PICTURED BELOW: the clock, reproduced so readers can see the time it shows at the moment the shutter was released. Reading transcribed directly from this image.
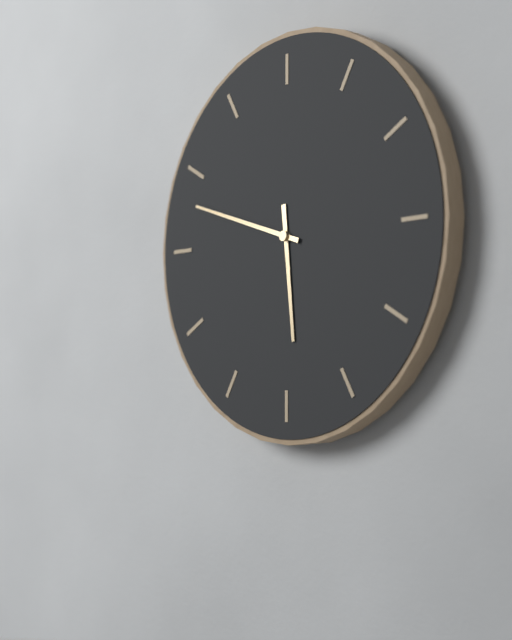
5:48
